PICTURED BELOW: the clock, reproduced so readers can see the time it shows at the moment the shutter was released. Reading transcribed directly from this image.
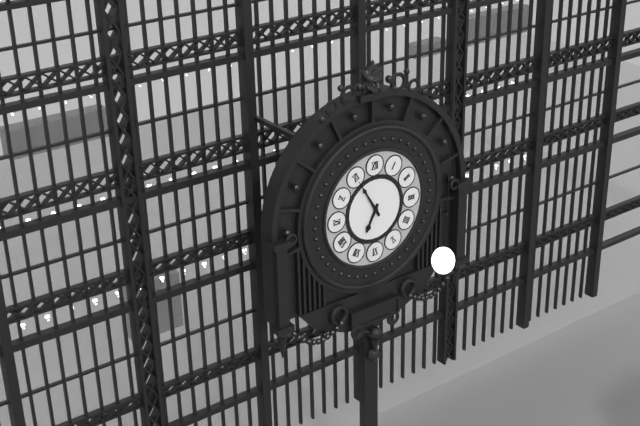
6:55
